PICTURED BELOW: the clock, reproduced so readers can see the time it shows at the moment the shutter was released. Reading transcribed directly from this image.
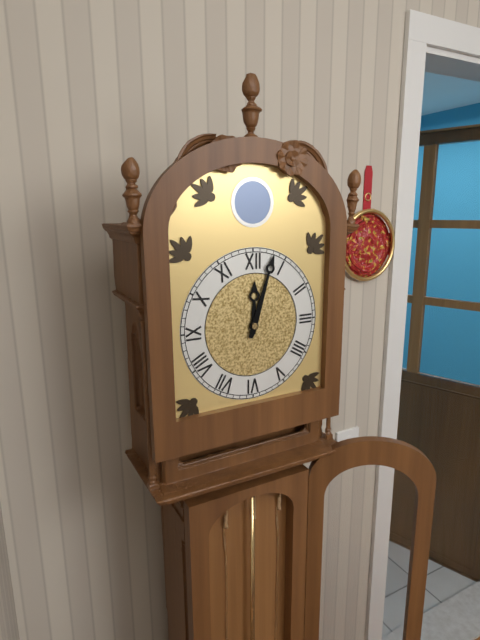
12:03
